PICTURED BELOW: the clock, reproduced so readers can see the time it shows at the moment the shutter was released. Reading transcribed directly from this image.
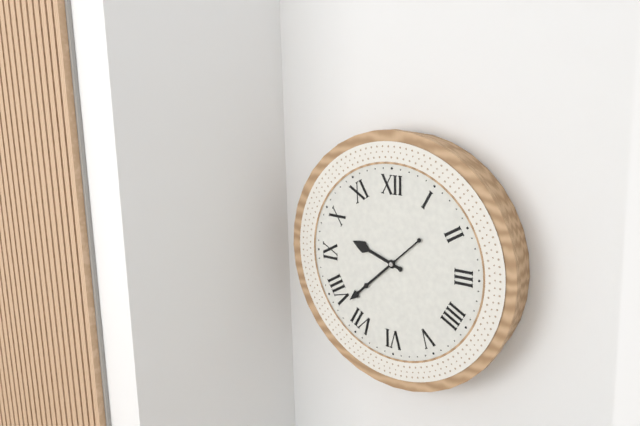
9:38
